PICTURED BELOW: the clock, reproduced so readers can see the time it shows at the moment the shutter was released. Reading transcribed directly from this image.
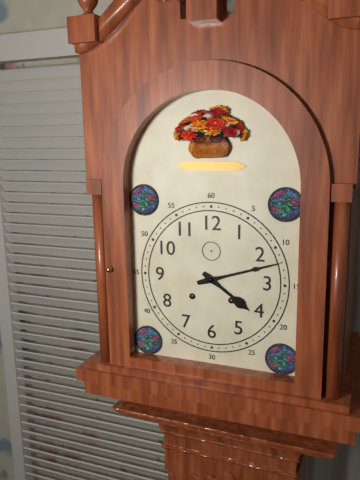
4:12
